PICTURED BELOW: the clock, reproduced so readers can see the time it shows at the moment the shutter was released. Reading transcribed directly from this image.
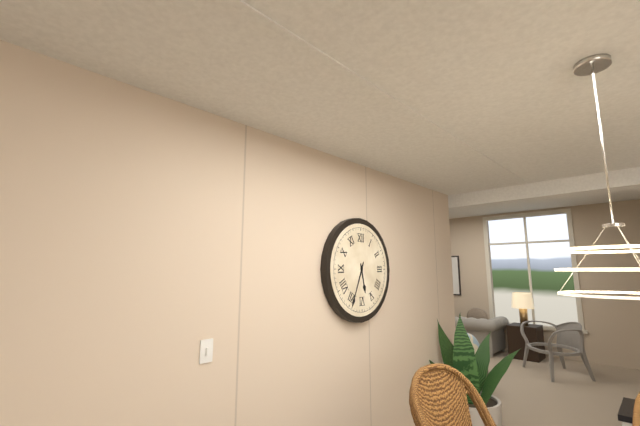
5:34
